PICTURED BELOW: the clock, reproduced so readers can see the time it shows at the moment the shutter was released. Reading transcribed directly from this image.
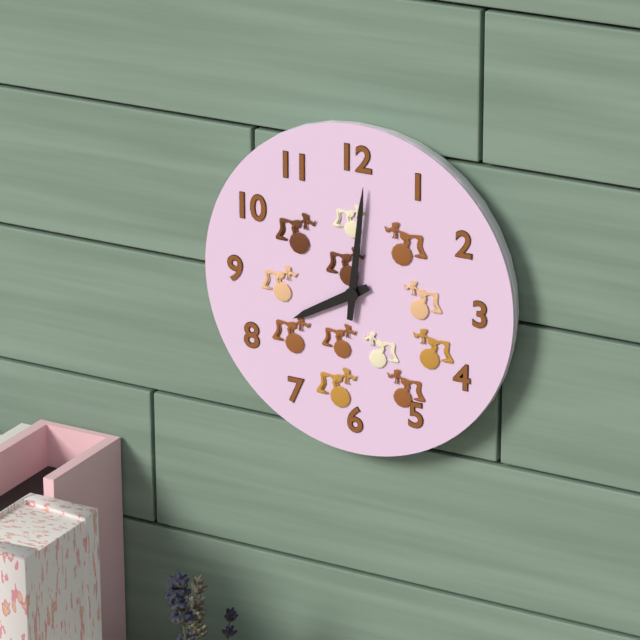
8:01
